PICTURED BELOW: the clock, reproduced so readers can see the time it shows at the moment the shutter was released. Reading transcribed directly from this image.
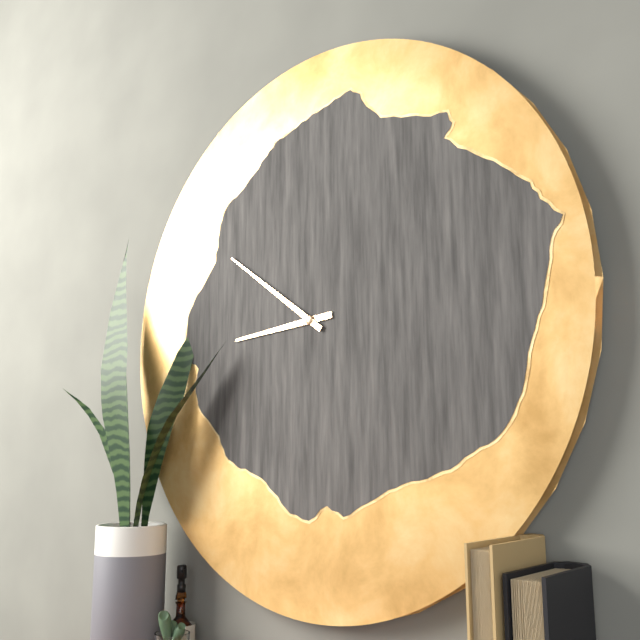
8:51
